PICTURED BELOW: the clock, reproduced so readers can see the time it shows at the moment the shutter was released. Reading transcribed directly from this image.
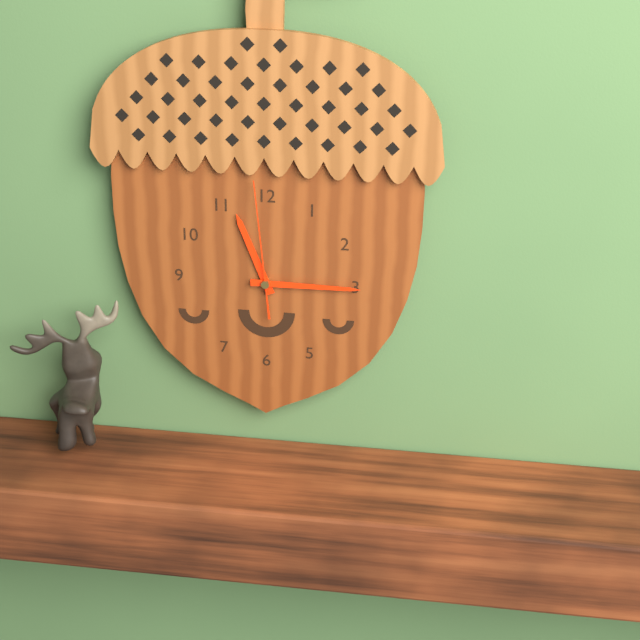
11:15:59
